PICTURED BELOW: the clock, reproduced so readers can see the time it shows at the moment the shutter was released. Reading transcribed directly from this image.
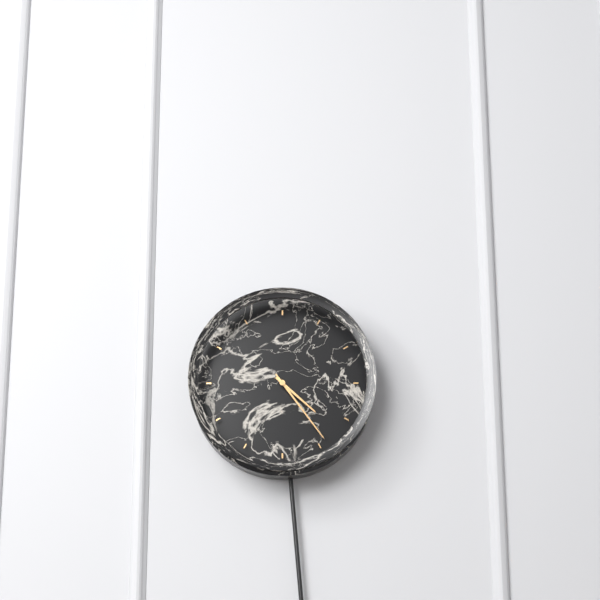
4:24
